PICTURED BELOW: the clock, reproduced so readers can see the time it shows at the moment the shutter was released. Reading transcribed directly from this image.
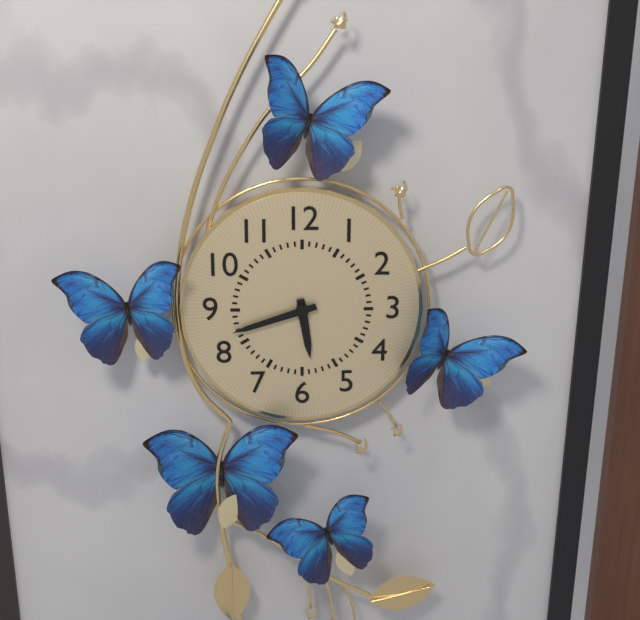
5:42
